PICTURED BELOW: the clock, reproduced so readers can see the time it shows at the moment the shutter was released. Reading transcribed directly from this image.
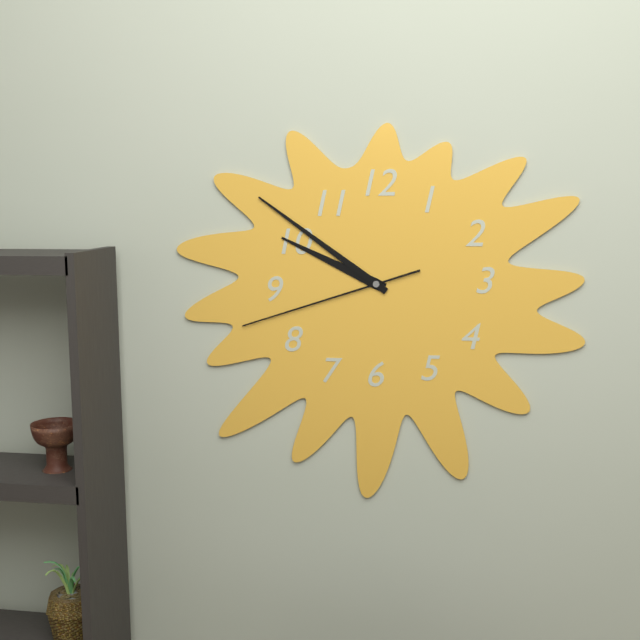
9:51:42
